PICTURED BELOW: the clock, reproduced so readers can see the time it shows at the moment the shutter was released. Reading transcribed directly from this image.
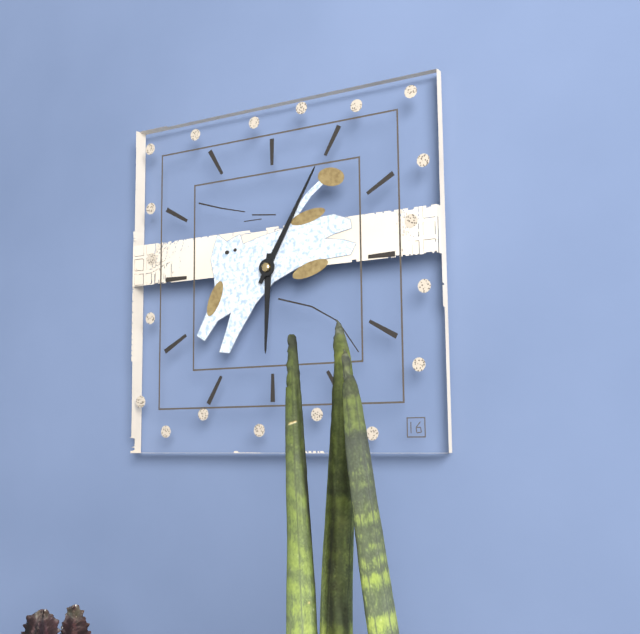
6:05
